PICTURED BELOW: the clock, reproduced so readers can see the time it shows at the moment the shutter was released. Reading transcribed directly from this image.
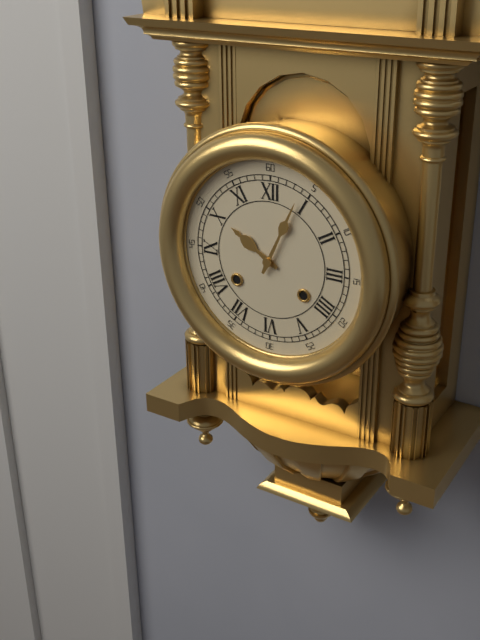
10:04
